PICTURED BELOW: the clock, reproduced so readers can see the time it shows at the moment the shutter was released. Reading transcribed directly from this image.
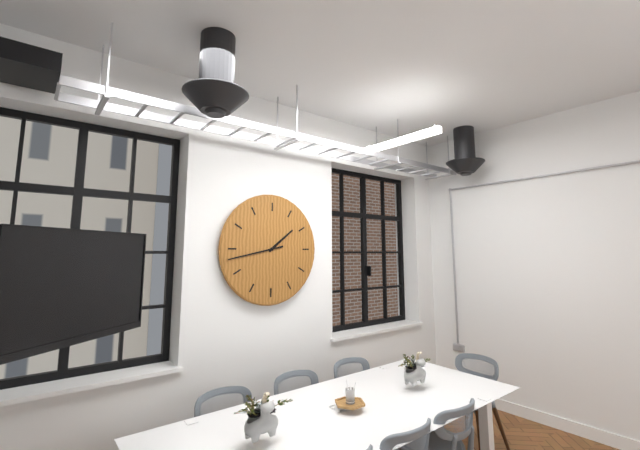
1:43
